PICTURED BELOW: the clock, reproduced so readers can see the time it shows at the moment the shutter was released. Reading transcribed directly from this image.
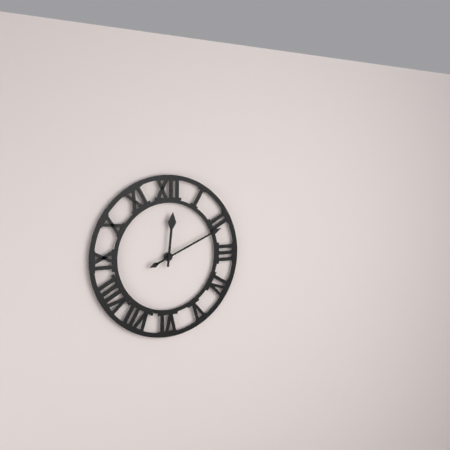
12:11
